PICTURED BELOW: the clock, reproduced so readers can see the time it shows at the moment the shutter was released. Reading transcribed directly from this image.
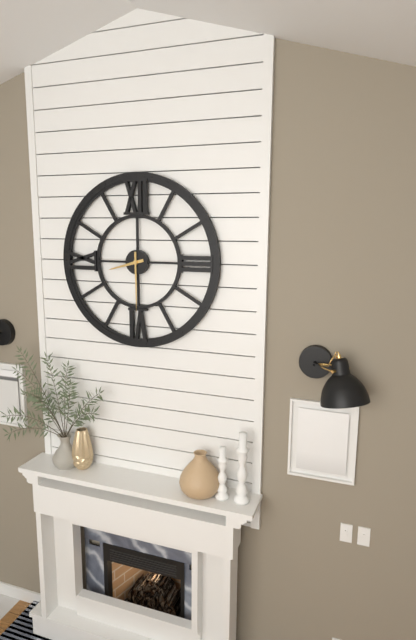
8:30
